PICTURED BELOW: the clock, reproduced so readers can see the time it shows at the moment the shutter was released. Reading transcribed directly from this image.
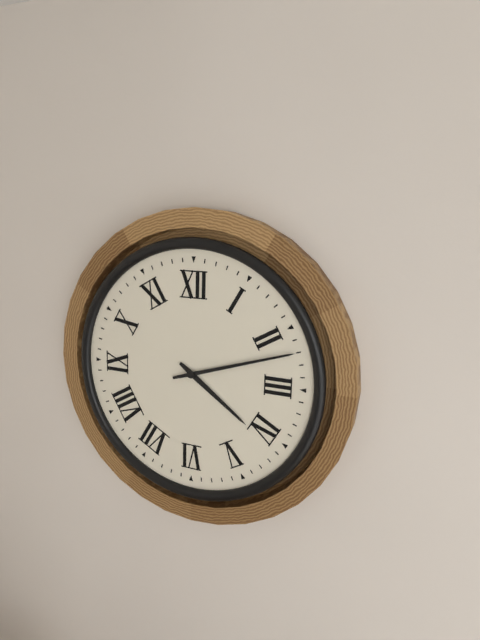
4:12
